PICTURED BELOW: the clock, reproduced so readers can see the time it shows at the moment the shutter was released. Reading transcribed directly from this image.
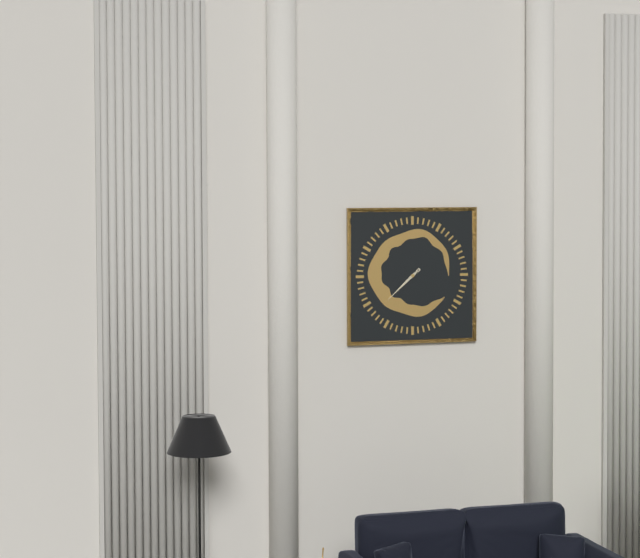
7:38
